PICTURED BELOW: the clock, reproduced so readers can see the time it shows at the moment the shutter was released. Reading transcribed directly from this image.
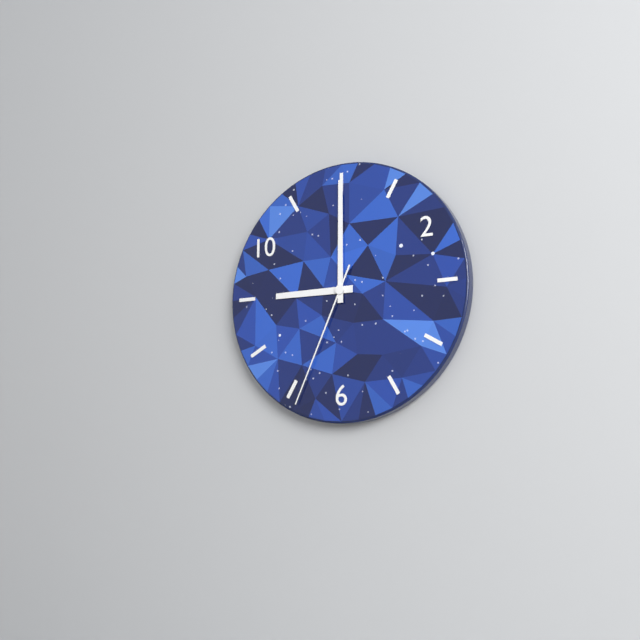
9:00:34
